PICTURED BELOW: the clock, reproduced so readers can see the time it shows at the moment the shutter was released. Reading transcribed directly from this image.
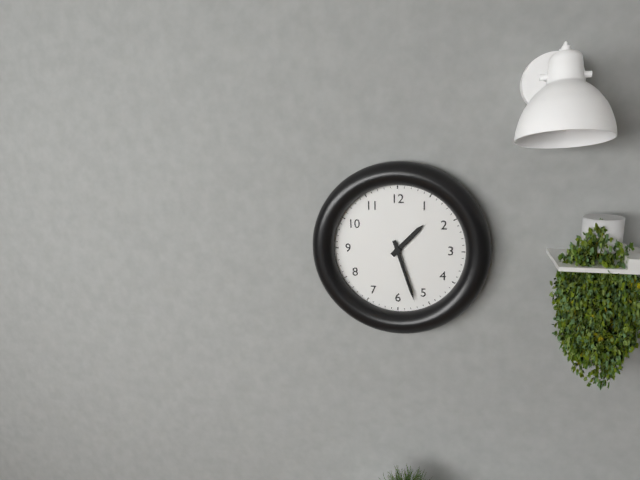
1:27
